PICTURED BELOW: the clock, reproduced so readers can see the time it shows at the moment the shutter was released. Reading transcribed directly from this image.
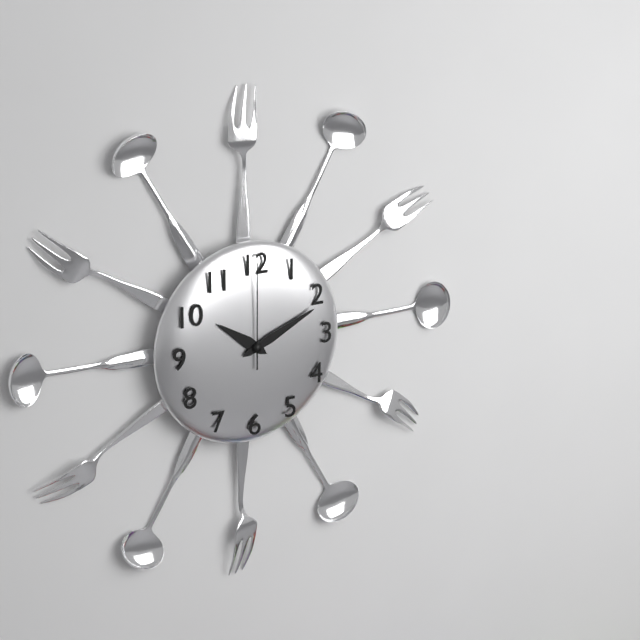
10:11:00
